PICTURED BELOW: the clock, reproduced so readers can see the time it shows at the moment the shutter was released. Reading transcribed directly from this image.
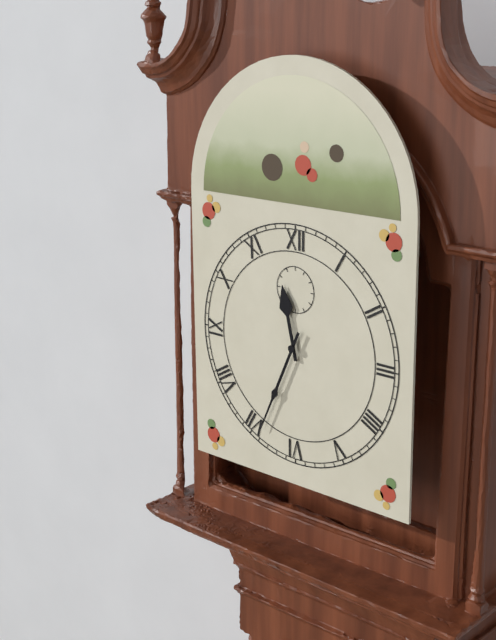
11:34
